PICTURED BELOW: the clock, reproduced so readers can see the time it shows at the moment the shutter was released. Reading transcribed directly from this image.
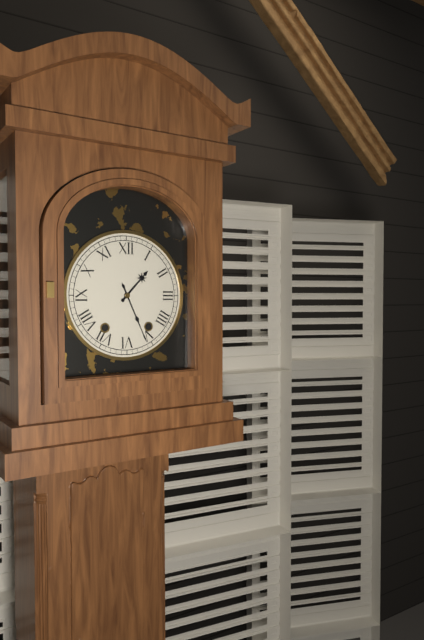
1:26
